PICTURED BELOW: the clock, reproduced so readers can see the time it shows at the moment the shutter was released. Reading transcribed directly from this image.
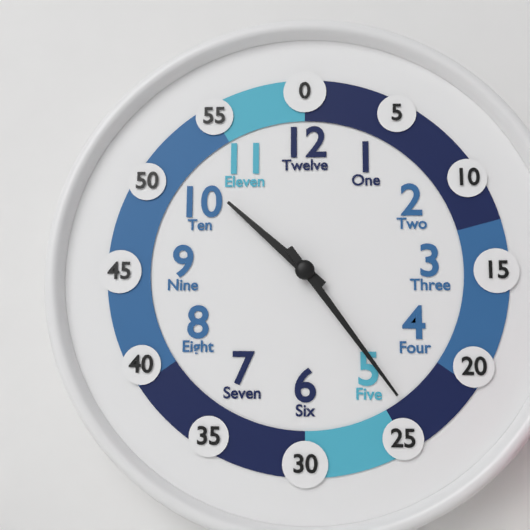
10:24
